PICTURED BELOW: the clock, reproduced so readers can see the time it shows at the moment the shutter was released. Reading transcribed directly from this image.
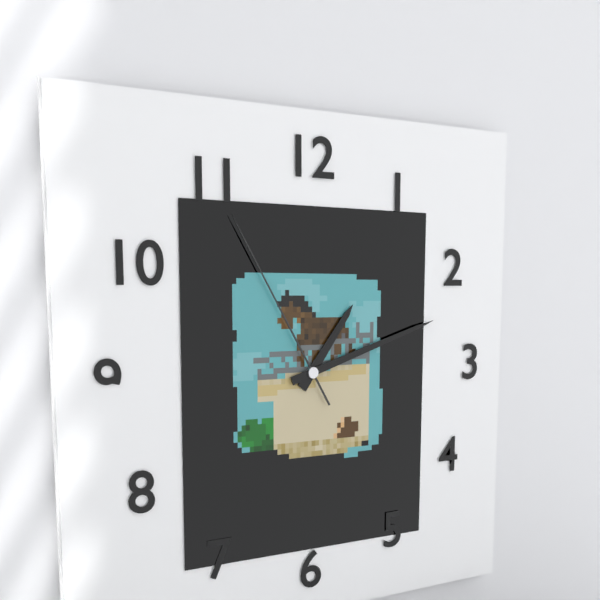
1:12:55
